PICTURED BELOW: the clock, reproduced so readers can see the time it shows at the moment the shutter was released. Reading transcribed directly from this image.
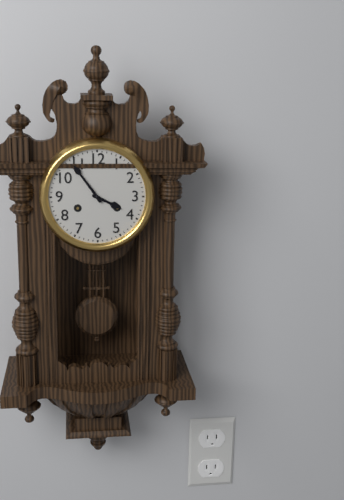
3:54
